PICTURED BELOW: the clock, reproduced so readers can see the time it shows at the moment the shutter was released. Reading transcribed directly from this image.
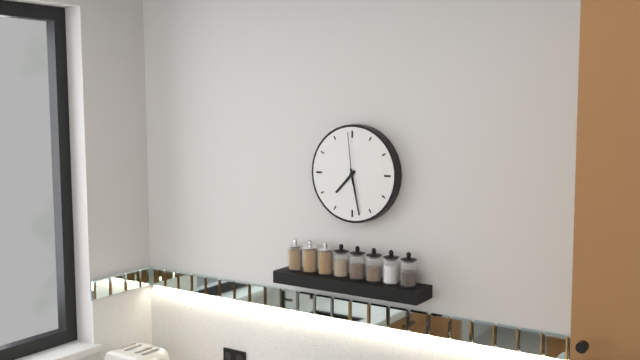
7:28:59
